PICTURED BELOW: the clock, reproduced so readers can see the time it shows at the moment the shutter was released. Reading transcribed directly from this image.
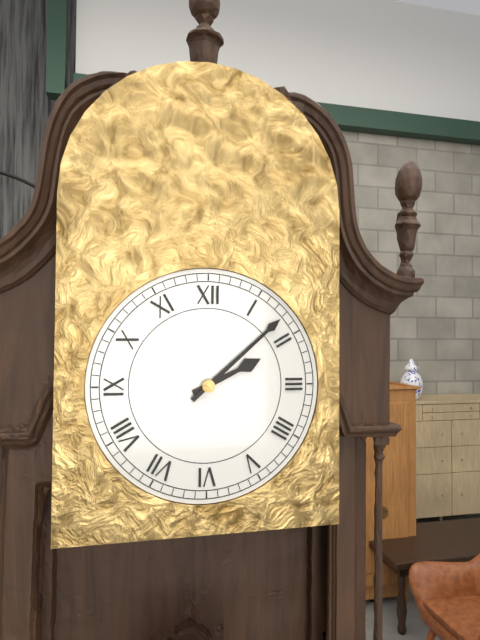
2:08
